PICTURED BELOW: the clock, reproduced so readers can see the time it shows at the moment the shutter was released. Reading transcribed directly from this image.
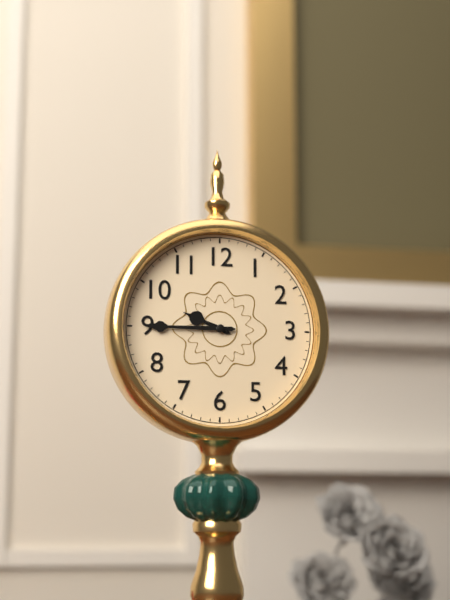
9:45
